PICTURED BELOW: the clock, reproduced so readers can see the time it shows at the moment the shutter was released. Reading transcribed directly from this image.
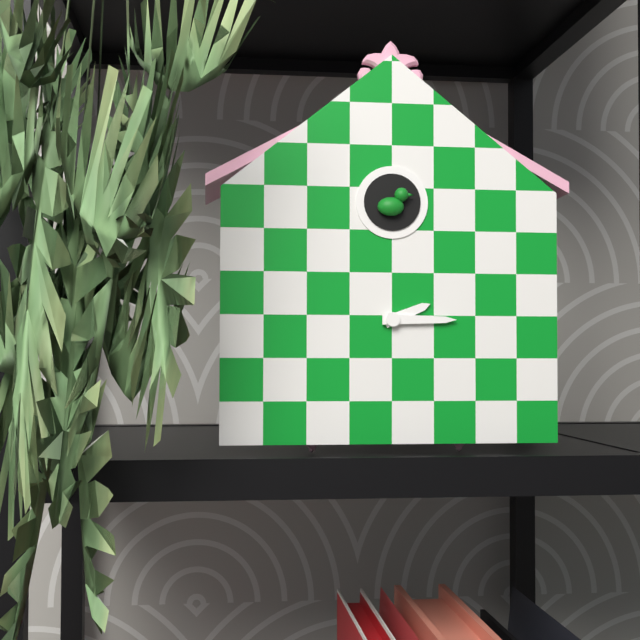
2:15
